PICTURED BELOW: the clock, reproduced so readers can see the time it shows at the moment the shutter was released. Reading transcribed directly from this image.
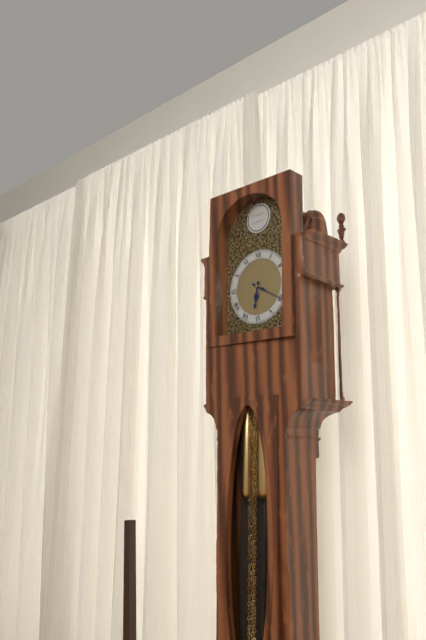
6:20
